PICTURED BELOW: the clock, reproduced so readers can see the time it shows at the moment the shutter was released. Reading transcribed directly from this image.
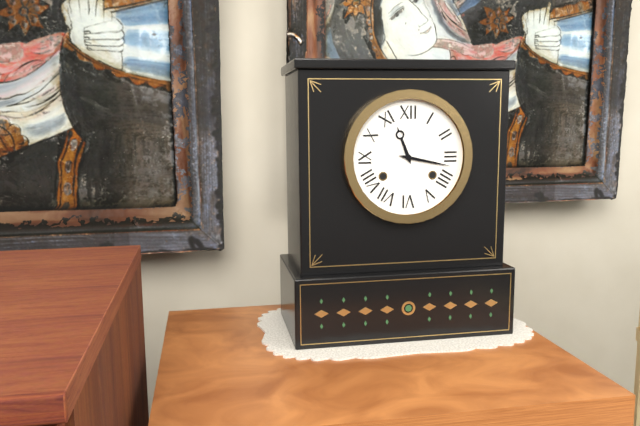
11:17
